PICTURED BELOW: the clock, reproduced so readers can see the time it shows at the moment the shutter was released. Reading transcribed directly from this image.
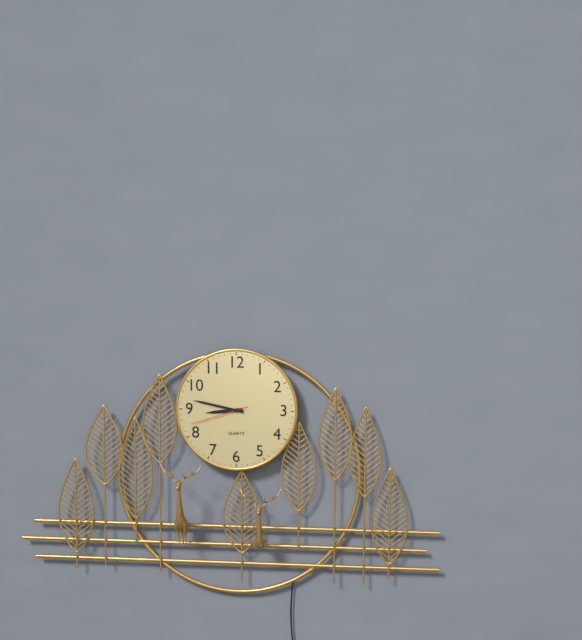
8:47:42
